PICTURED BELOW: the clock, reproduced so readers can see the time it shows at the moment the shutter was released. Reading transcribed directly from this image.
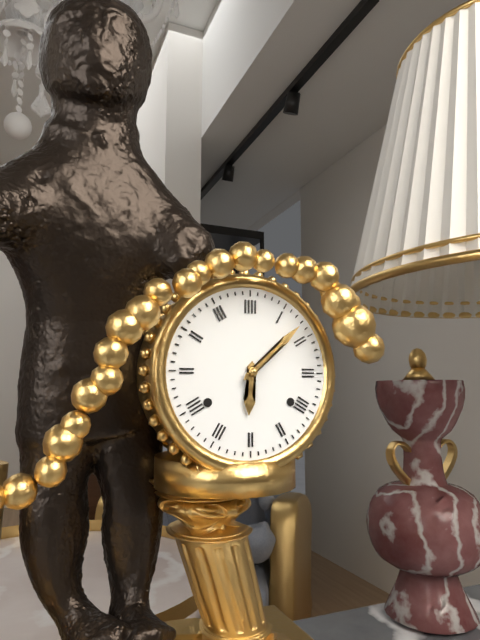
6:08
